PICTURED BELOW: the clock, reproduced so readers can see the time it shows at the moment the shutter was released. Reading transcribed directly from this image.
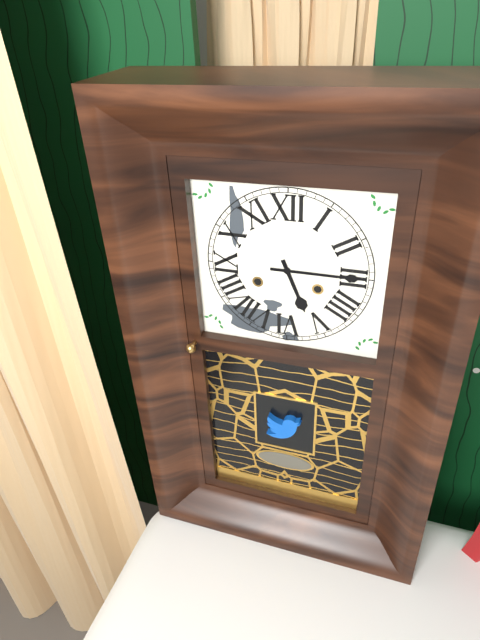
5:15
